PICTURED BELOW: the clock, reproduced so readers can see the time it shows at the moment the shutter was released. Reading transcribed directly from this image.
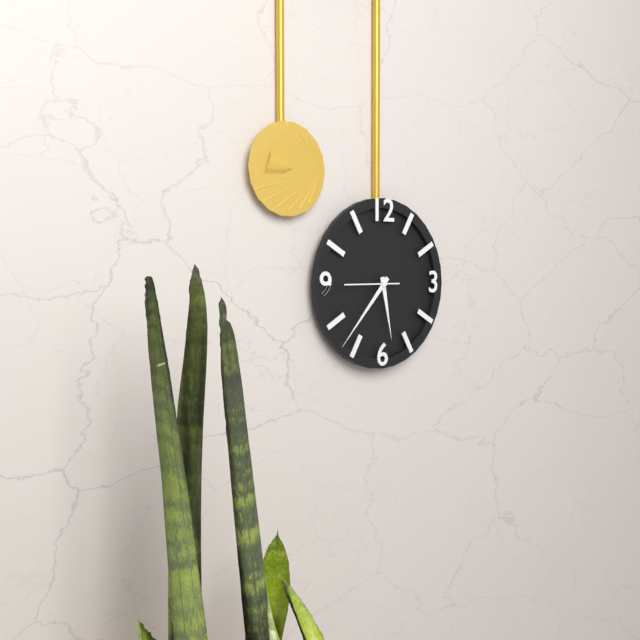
5:37
